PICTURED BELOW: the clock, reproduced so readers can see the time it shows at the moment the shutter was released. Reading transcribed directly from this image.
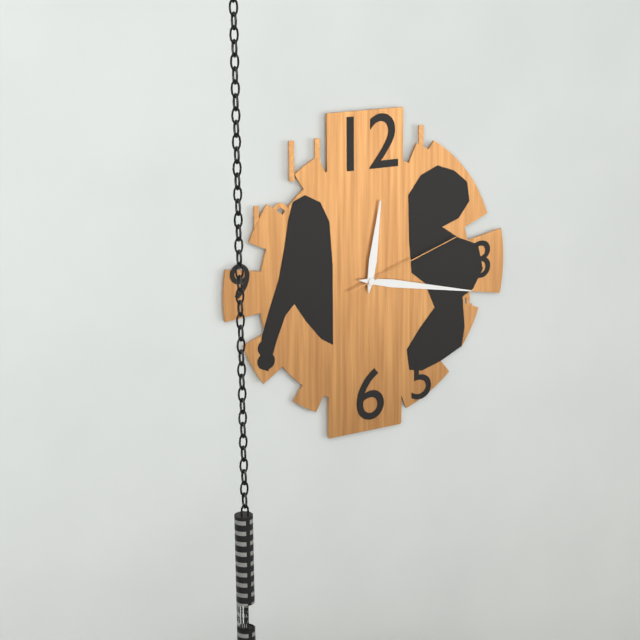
12:17:12
